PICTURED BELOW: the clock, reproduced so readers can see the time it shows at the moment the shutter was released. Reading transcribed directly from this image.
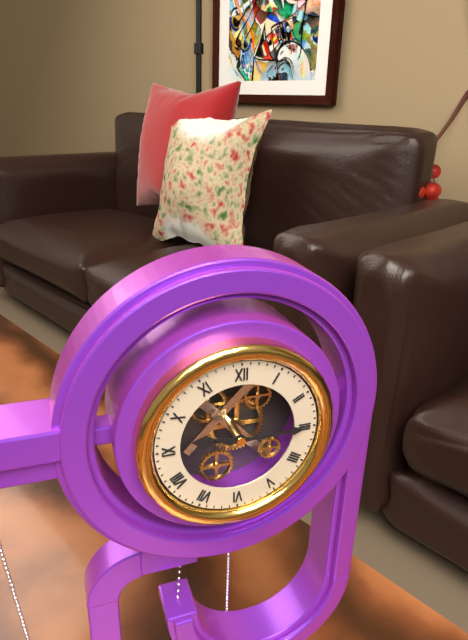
9:15
